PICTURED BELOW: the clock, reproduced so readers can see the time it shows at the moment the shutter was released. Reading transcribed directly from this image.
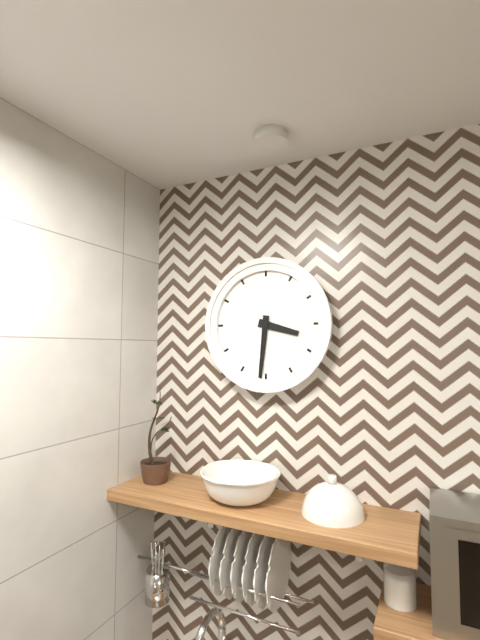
3:31
